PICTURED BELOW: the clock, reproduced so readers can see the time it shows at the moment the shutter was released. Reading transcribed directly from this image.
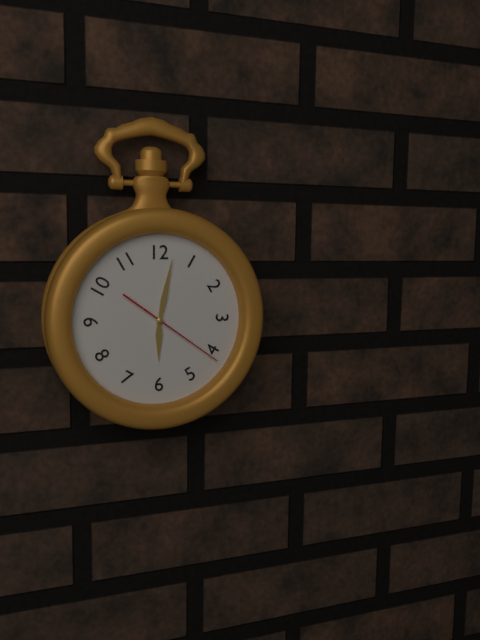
6:02:21
